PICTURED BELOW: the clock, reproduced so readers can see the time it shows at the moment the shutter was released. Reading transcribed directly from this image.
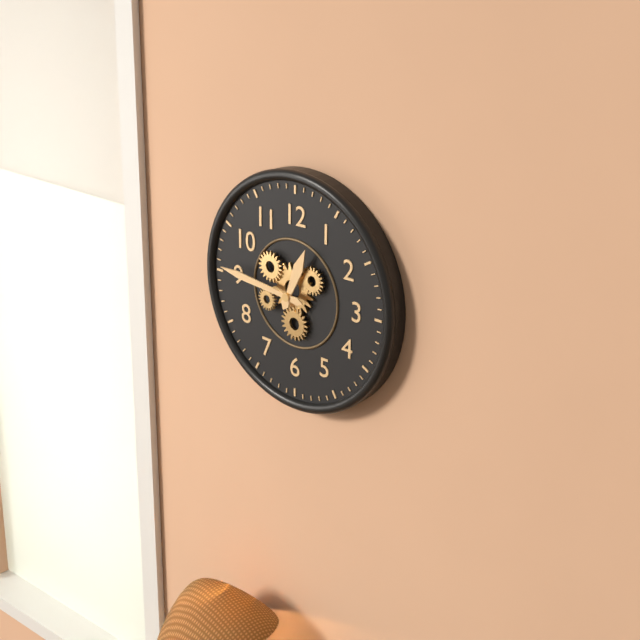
12:46
